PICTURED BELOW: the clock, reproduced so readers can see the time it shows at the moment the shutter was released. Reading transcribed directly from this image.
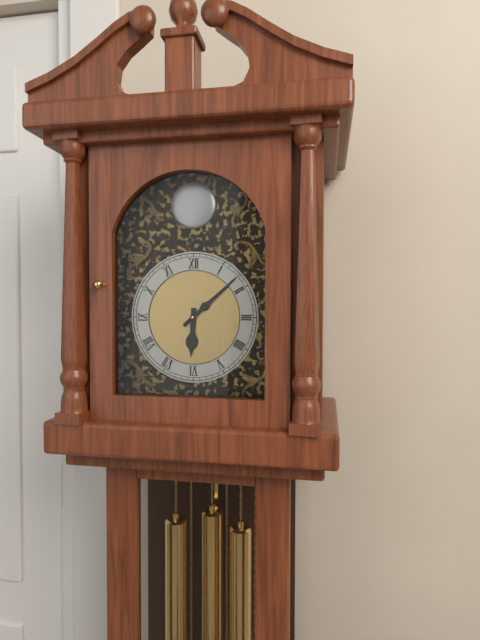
6:08
